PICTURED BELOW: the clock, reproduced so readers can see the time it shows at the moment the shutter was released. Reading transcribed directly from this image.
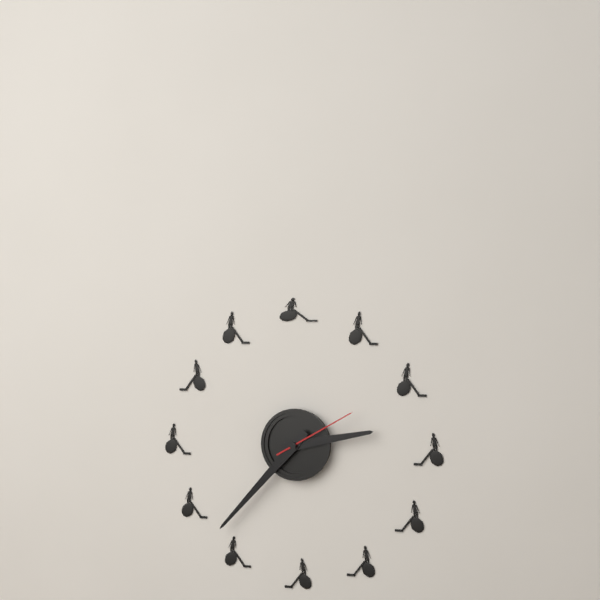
2:37:10
